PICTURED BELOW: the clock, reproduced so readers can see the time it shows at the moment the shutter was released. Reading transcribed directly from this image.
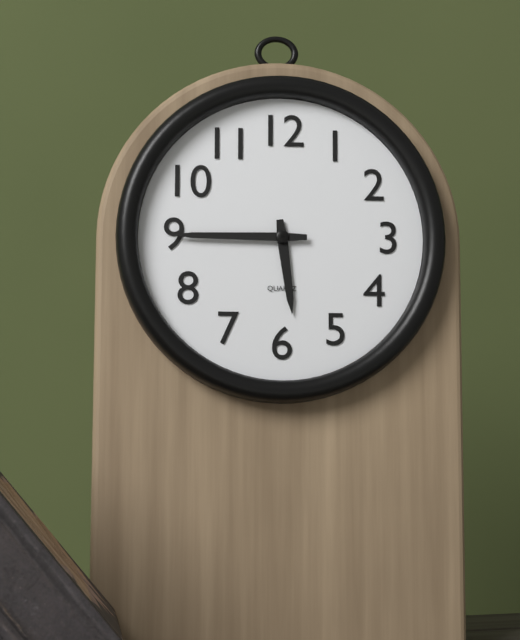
5:45
